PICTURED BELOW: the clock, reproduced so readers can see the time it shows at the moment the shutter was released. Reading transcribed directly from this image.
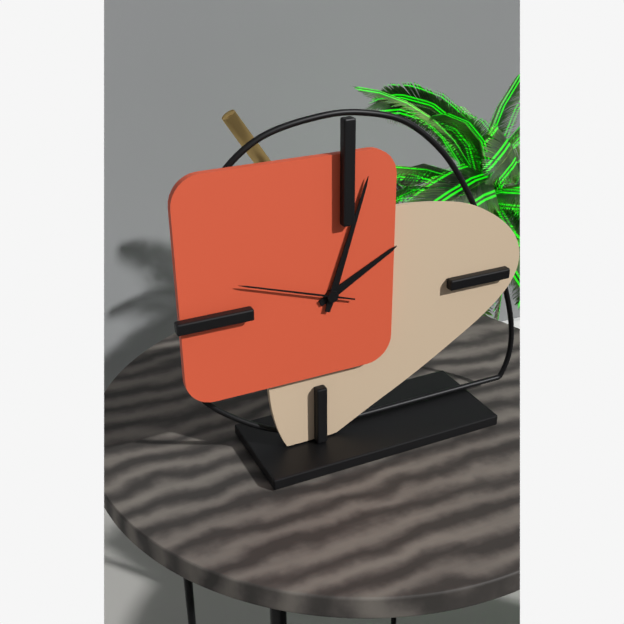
2:03:48
